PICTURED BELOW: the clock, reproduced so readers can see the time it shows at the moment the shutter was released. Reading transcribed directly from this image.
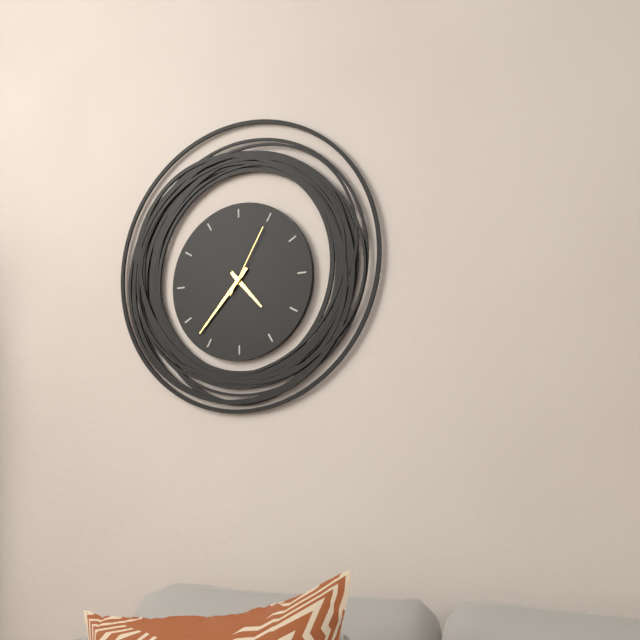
4:37:05
